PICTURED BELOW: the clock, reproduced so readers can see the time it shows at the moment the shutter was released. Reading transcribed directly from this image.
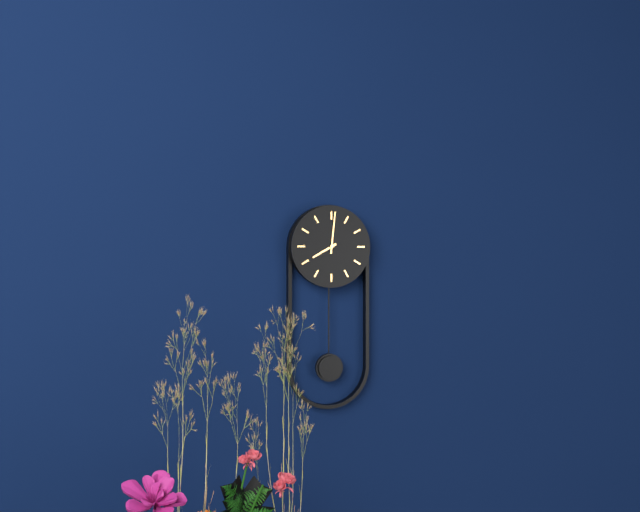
8:01
